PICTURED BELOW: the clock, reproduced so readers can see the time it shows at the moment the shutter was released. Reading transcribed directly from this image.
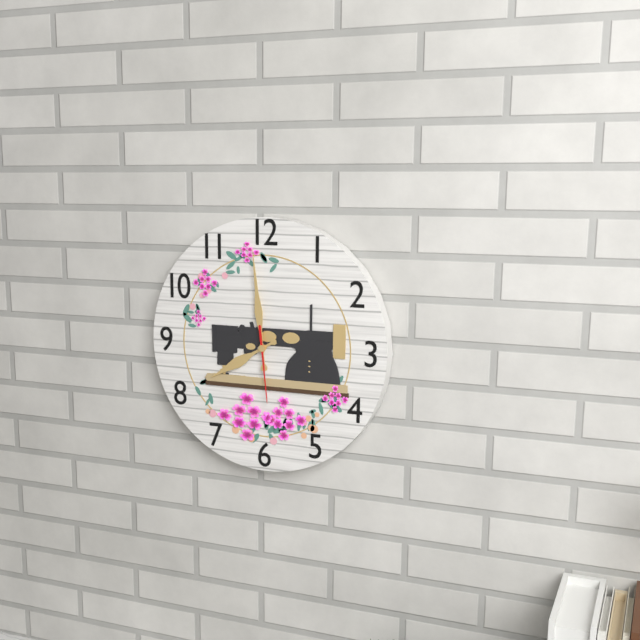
7:59:29
